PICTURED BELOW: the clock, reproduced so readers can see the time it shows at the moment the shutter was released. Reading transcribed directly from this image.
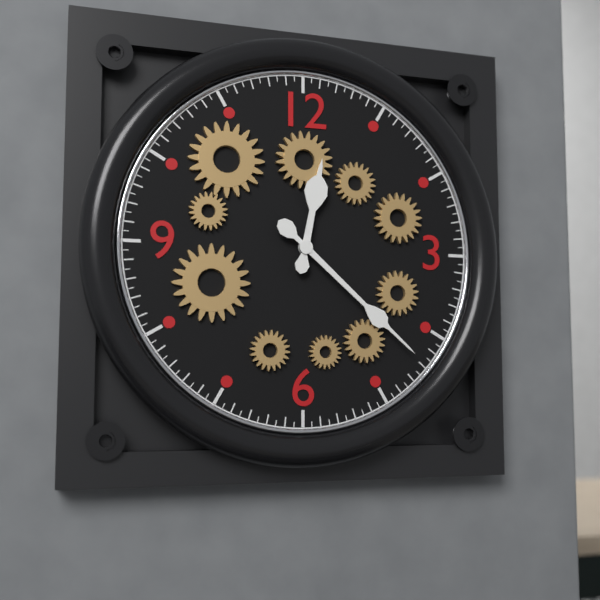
12:22
